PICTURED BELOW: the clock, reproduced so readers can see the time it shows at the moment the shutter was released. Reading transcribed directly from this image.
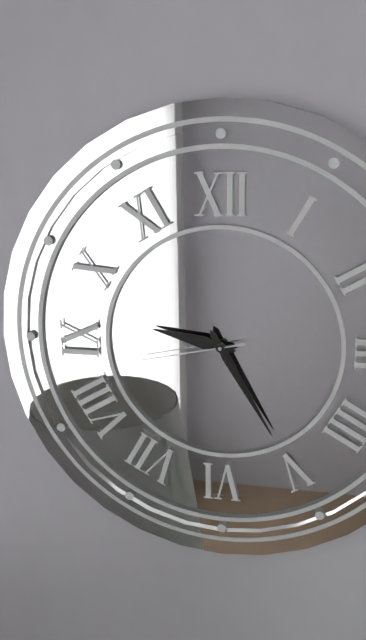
9:25:43
